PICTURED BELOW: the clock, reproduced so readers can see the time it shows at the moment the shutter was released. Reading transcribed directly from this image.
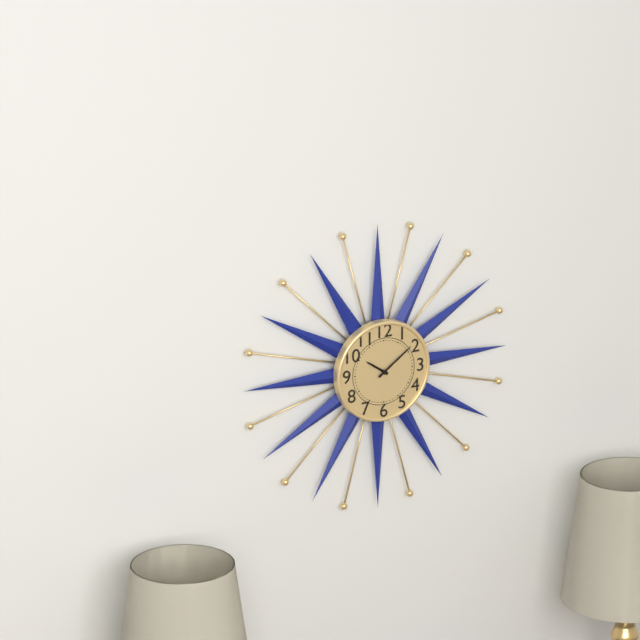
10:09
